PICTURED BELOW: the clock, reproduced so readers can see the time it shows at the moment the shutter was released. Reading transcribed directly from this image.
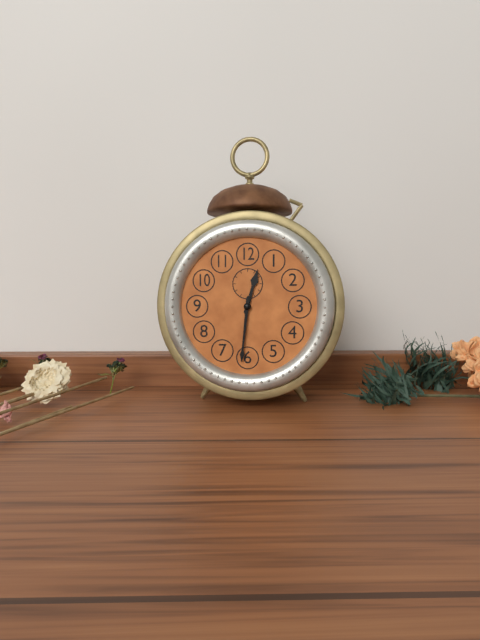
12:31
